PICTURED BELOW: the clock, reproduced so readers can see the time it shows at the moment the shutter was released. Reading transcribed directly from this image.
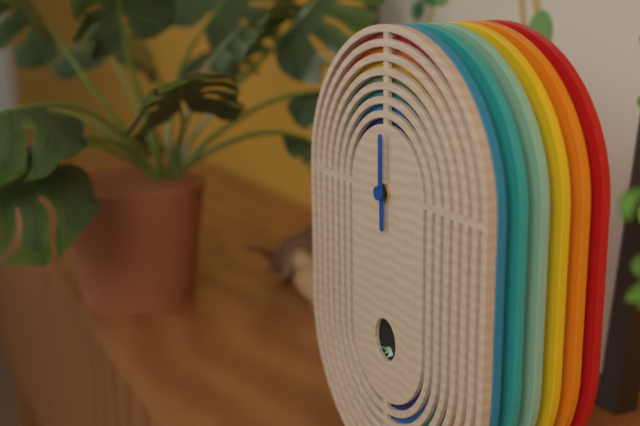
6:00
